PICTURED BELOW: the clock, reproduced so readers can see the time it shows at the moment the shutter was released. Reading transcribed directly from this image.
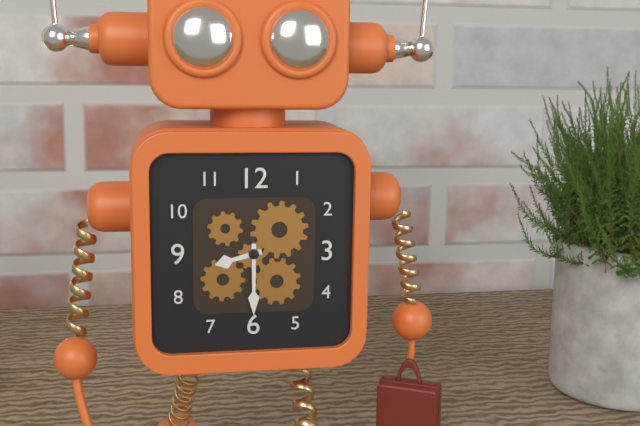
8:30
